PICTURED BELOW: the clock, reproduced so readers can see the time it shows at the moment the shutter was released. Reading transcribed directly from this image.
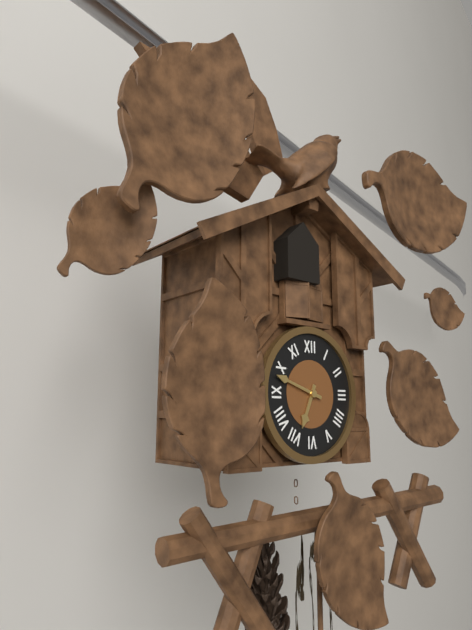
6:48
